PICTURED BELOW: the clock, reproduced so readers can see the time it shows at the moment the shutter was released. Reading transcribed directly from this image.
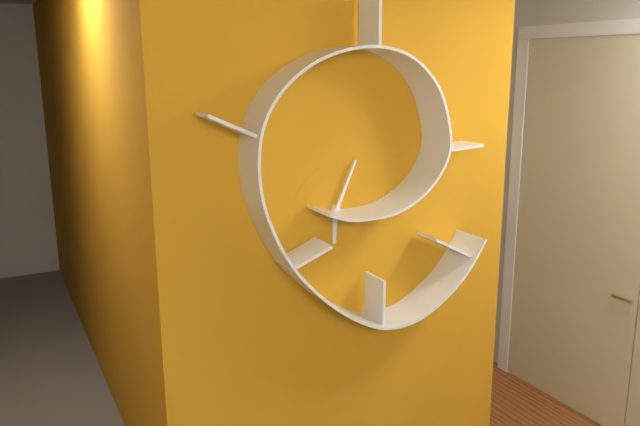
6:04
